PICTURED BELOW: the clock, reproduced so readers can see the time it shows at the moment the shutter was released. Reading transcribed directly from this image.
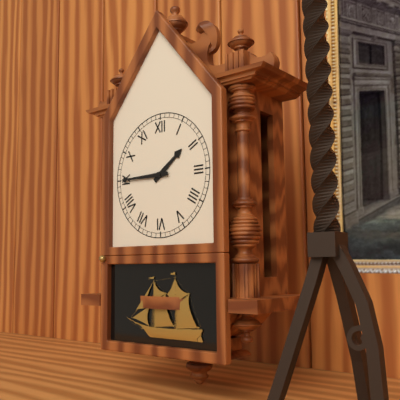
1:45
